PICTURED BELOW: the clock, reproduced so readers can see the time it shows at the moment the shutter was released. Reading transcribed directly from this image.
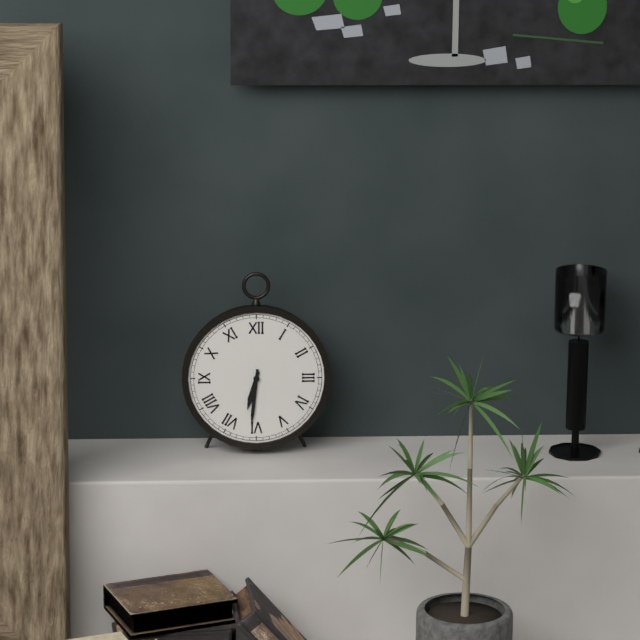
6:31
